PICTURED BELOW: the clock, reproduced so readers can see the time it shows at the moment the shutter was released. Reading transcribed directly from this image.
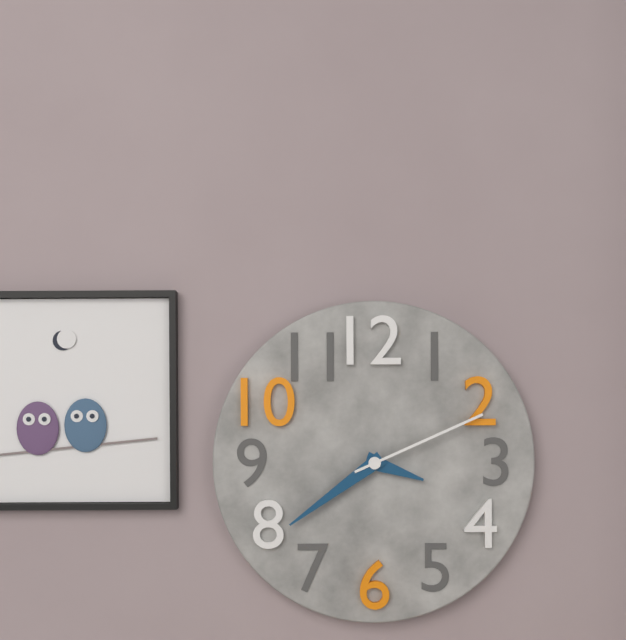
3:39:11
